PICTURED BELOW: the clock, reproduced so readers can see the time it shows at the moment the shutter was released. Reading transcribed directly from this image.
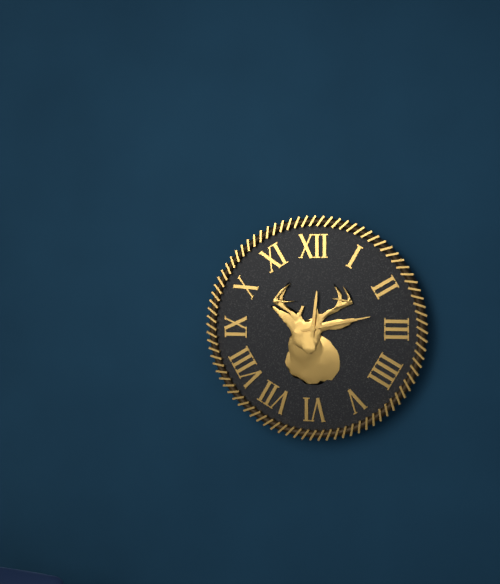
12:13
